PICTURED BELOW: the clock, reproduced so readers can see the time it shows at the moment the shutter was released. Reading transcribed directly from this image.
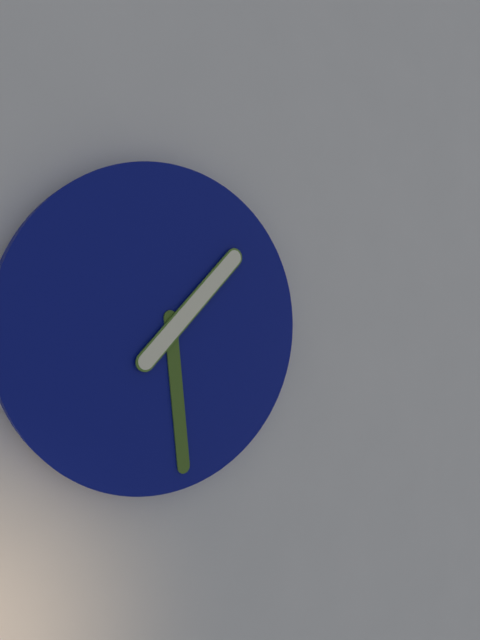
1:29
